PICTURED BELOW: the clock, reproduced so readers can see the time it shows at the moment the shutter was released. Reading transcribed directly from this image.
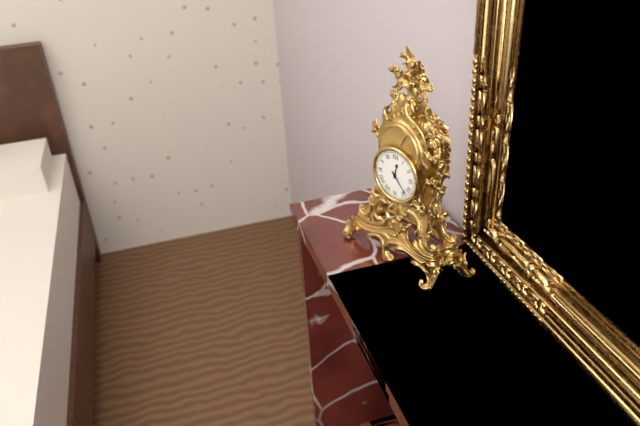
12:23
